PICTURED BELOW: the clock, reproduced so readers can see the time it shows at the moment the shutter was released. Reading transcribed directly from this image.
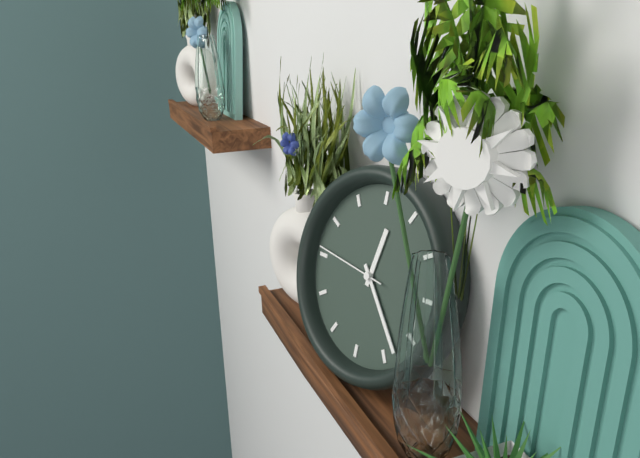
12:23:46
